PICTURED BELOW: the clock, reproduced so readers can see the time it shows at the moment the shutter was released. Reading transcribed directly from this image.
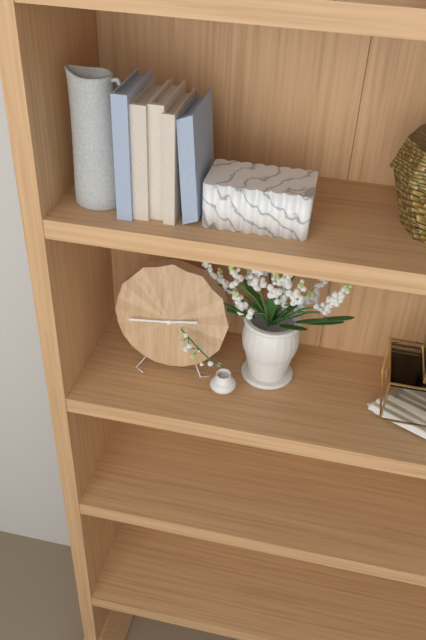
2:44
